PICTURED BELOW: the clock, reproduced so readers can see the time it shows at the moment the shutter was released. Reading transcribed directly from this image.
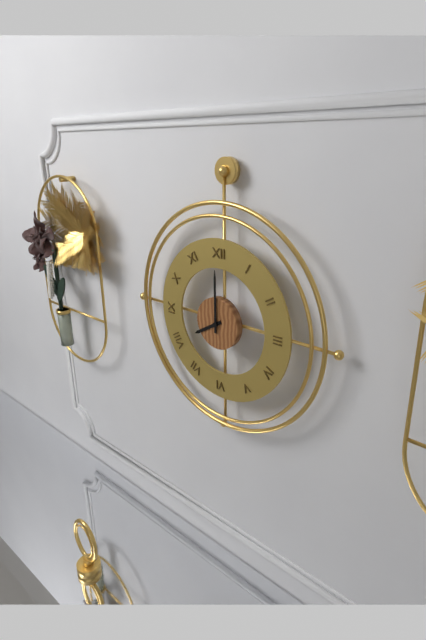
8:00
